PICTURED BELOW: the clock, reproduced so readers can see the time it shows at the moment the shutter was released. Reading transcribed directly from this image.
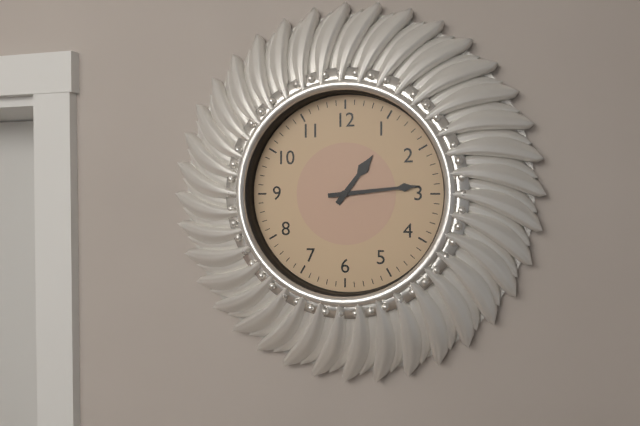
1:14
